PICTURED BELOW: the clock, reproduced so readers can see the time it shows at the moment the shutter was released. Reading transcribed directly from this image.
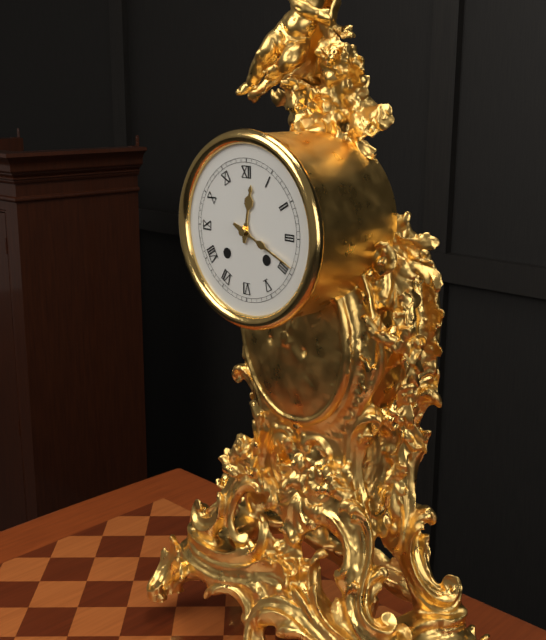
12:19
